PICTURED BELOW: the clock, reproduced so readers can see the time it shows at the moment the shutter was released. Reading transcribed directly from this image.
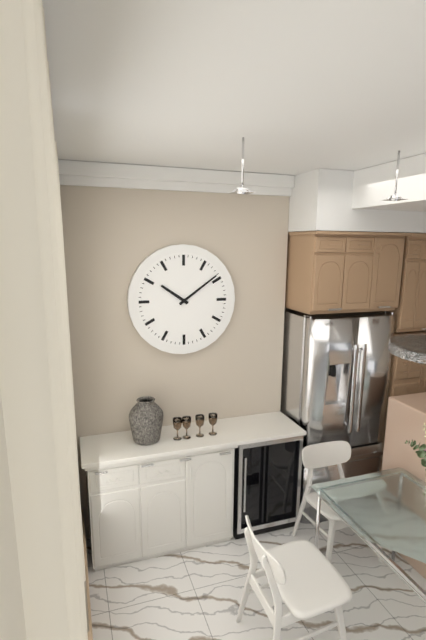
10:09
